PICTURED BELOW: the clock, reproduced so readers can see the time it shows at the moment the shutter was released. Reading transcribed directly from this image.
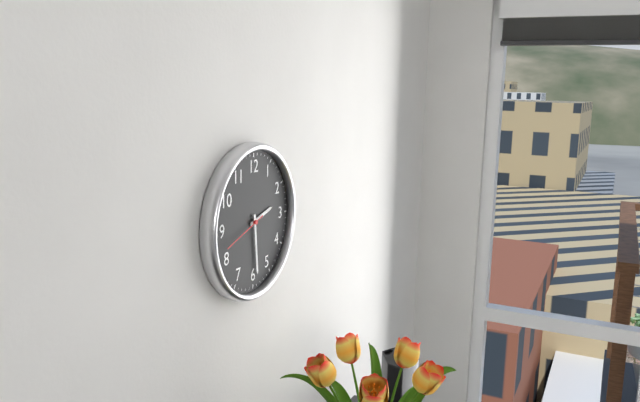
2:29
